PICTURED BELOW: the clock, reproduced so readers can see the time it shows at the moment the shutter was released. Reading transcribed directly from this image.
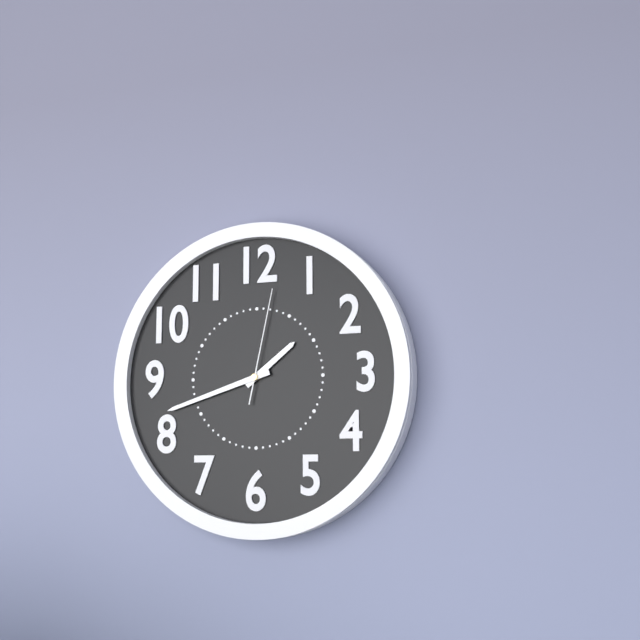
1:42:02
